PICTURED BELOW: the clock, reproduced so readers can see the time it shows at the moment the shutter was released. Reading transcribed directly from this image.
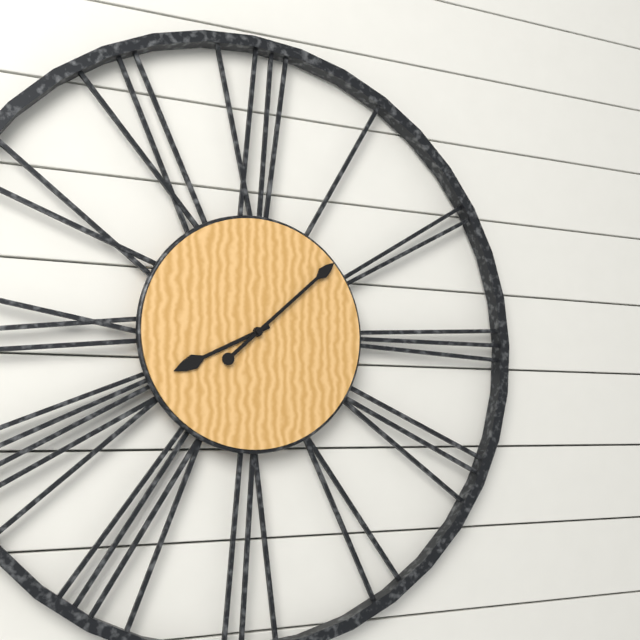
8:08
